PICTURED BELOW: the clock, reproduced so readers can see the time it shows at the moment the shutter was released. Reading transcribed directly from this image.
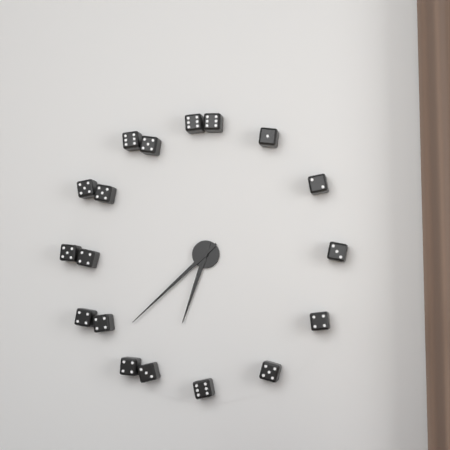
6:38
